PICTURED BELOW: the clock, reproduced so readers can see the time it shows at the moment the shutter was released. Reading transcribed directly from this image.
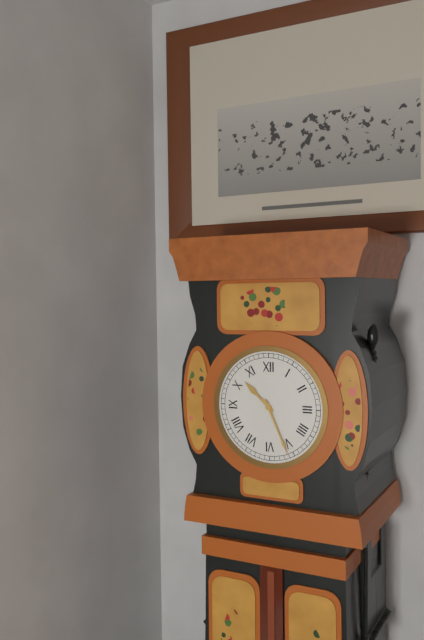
10:26
